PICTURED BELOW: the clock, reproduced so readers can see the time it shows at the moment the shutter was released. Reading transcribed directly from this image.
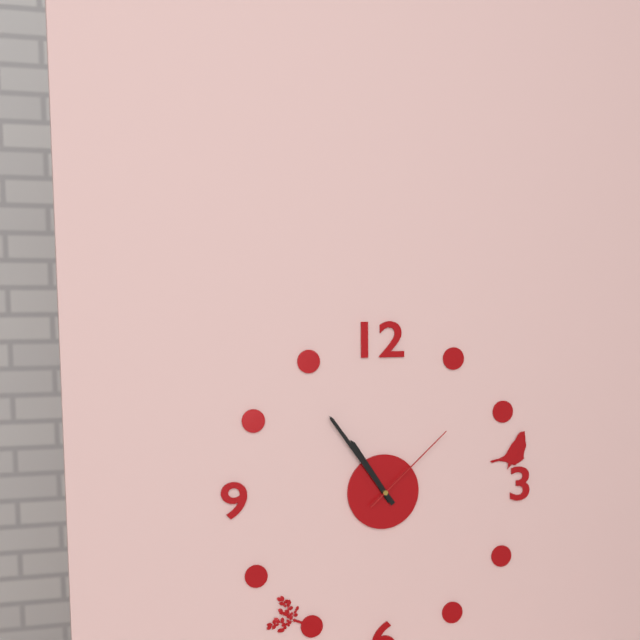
10:54:08
